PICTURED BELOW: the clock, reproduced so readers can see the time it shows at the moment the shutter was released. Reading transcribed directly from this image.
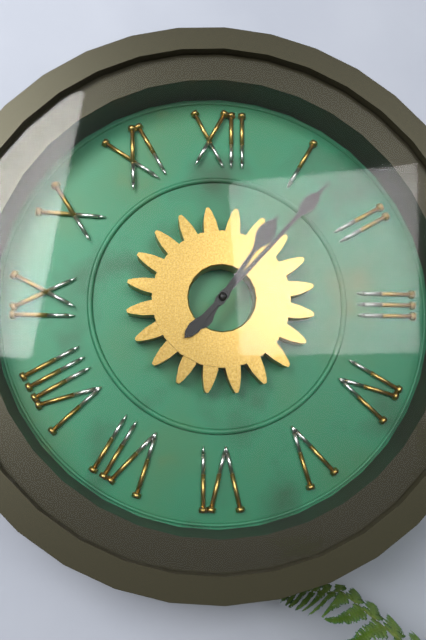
1:07
